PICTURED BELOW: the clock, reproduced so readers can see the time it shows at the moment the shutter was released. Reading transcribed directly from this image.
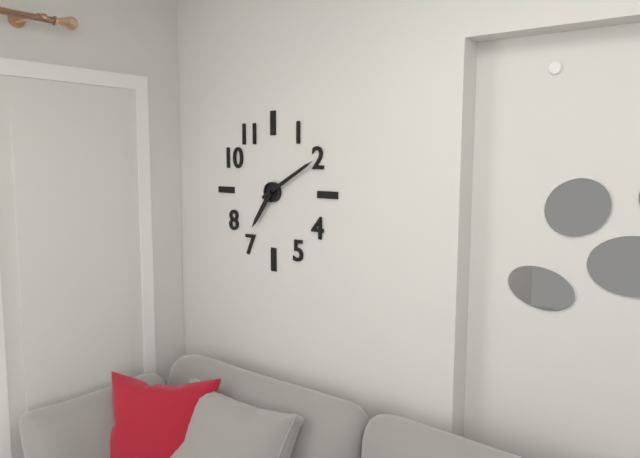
7:10
